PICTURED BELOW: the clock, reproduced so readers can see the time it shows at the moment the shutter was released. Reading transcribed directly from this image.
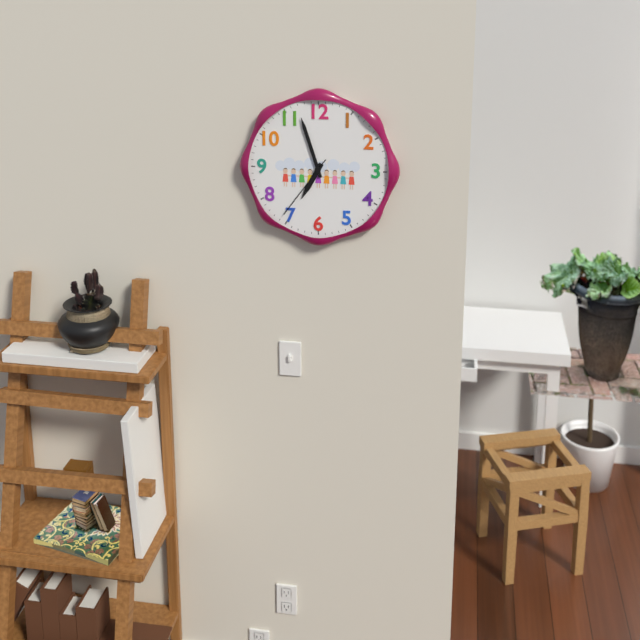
6:57:36
